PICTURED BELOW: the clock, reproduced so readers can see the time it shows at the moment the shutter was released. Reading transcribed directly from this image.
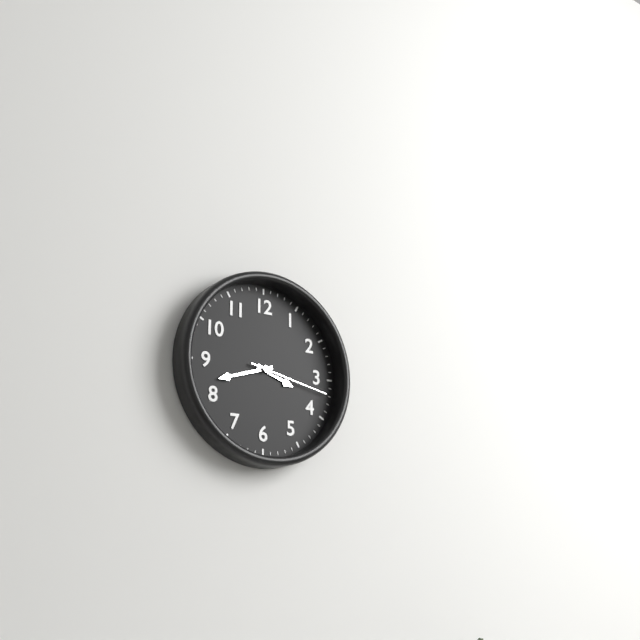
3:42:17
